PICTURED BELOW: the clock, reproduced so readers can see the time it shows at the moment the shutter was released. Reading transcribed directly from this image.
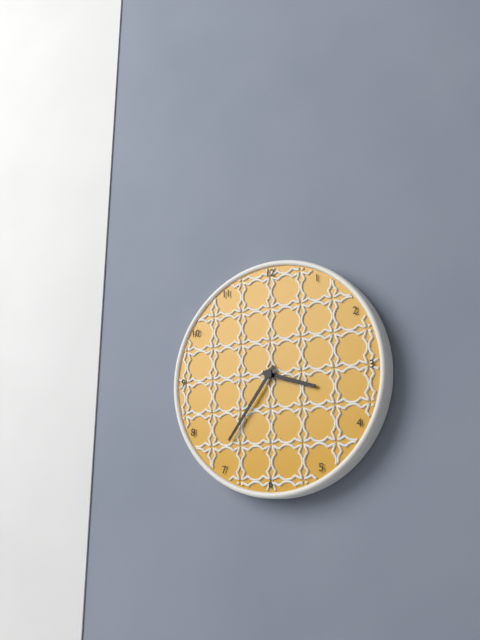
3:36
